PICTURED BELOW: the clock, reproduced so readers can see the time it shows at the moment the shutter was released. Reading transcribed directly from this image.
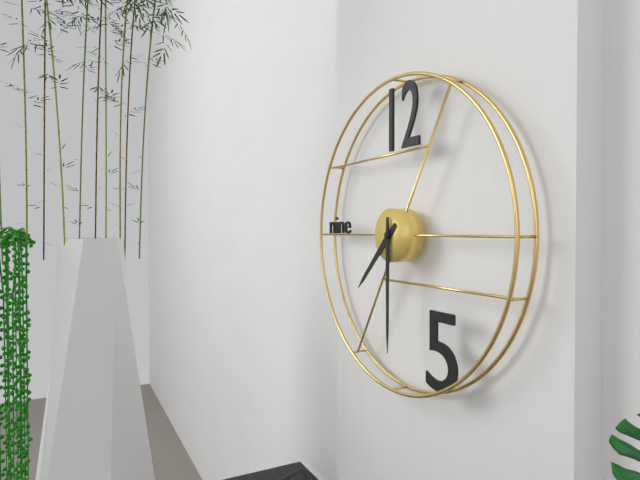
7:30
